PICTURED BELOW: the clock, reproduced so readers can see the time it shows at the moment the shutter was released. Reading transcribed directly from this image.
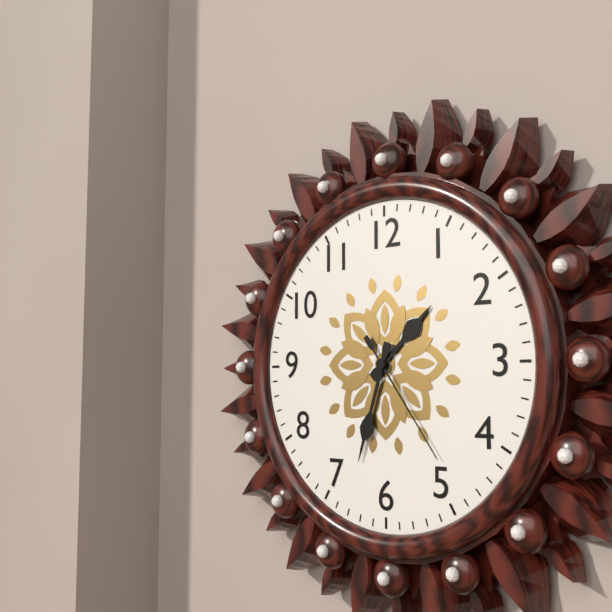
1:33:24
